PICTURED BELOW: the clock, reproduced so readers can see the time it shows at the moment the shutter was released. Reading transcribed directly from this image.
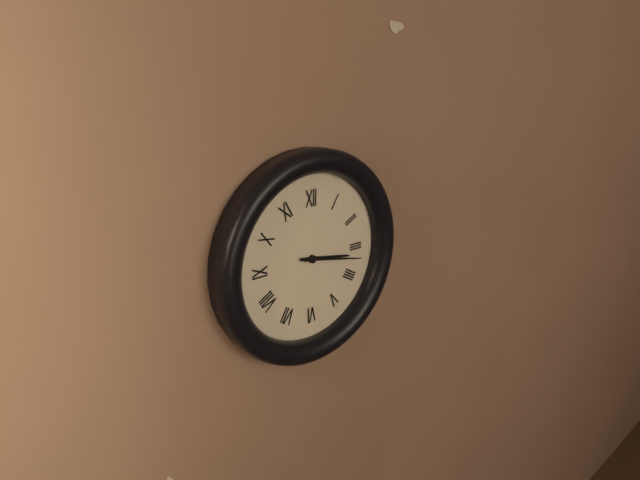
3:17
